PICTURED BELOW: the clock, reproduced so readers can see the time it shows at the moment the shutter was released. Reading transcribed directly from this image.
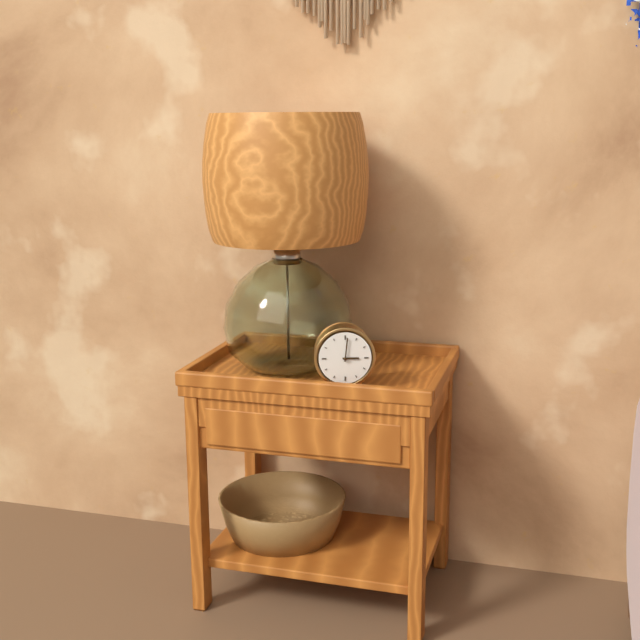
3:01
